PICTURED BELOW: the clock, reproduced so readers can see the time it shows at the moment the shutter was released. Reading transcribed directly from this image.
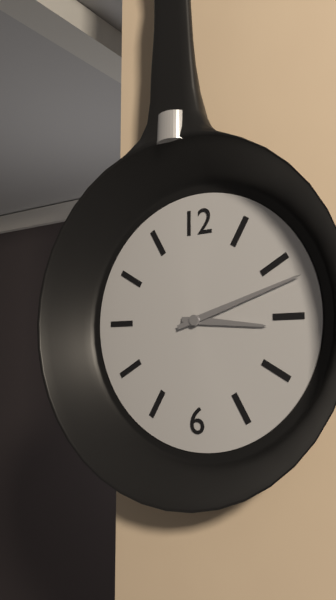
3:12
